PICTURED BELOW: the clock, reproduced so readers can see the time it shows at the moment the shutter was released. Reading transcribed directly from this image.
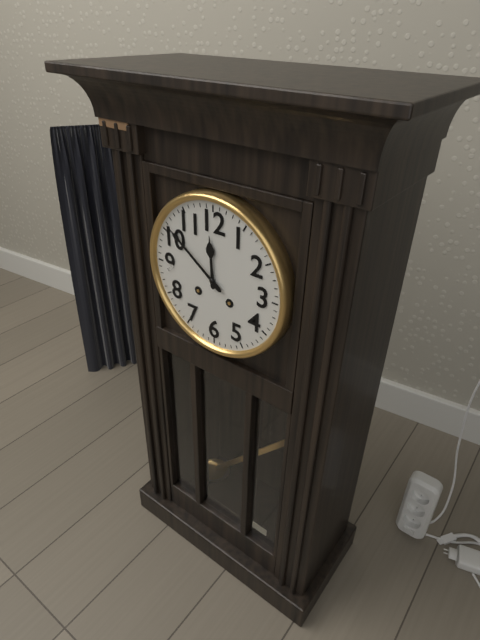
11:51
